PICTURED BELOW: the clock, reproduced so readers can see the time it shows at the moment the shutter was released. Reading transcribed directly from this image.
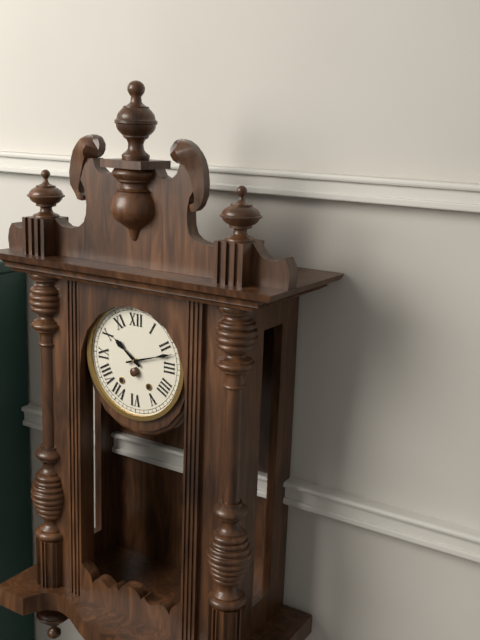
10:12
